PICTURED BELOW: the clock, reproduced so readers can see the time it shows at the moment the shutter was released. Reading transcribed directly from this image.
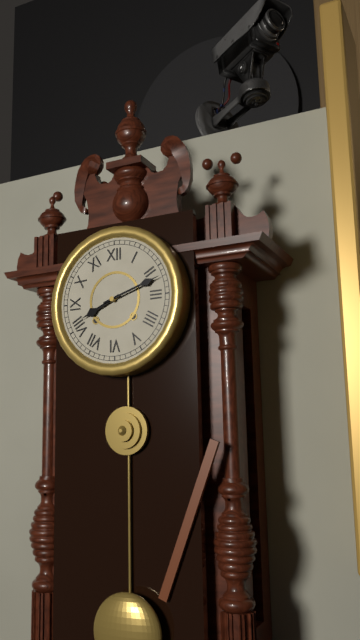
8:12
